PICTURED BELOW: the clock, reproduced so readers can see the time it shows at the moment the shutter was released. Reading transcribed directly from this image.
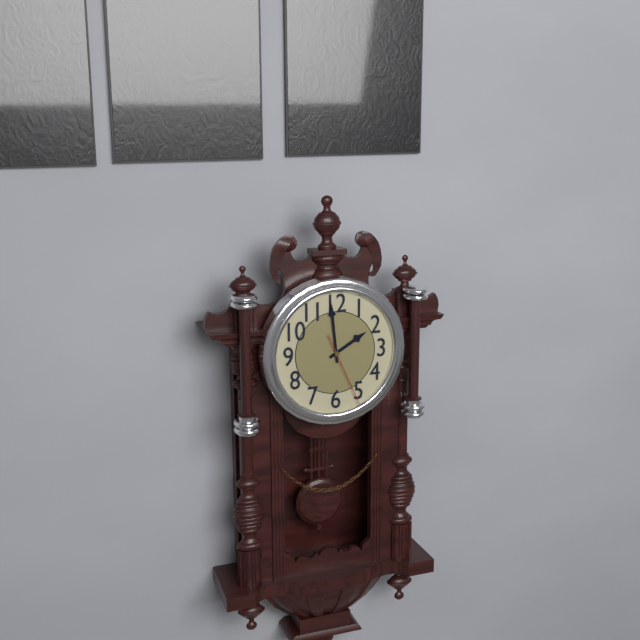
1:59:26
